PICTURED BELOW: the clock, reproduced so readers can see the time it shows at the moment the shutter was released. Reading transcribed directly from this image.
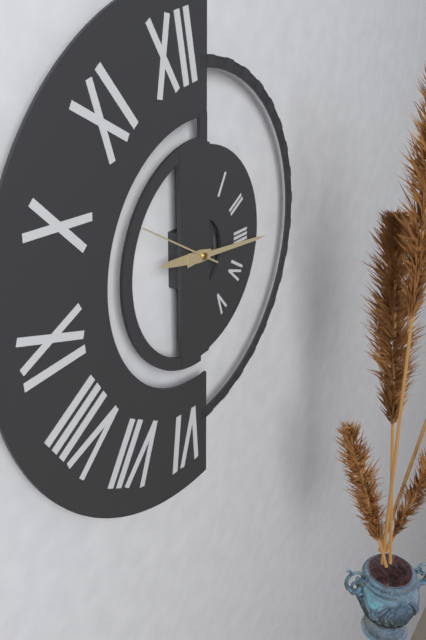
9:16:50
